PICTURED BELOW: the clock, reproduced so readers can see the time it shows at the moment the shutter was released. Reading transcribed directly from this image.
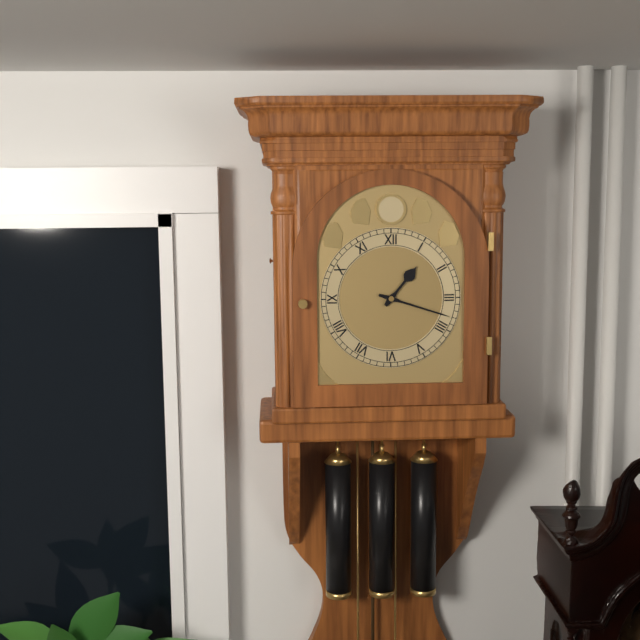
1:18
